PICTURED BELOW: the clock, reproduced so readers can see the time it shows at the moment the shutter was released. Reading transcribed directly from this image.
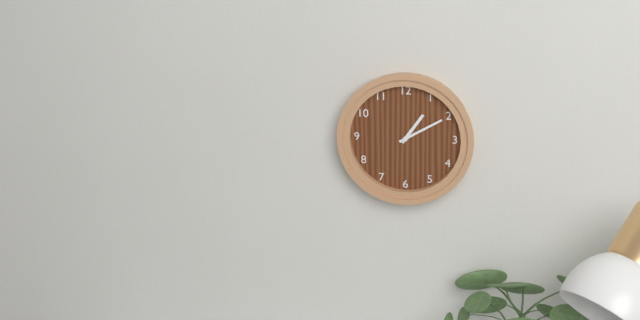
1:10
